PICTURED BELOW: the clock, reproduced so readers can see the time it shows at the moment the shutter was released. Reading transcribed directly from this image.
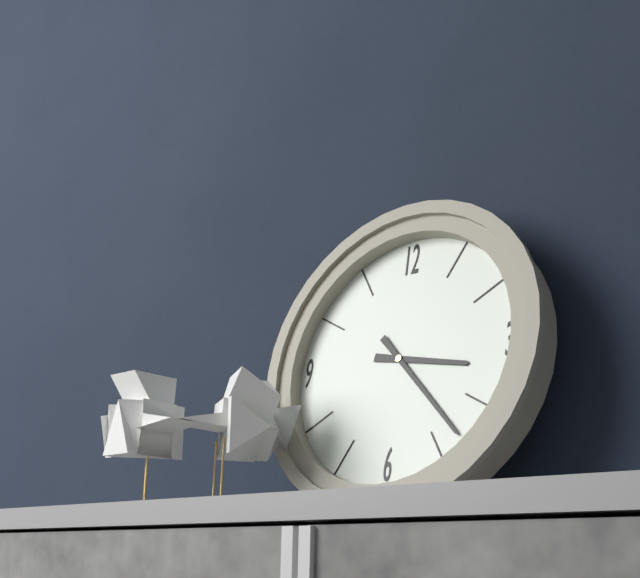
3:23
